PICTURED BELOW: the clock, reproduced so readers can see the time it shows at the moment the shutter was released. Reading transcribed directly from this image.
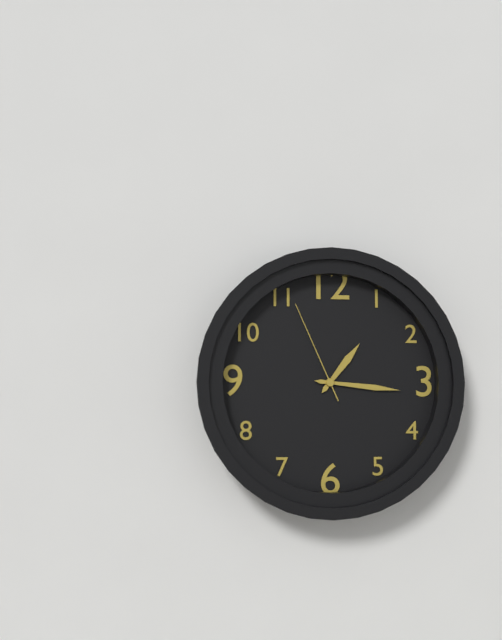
1:16:56
